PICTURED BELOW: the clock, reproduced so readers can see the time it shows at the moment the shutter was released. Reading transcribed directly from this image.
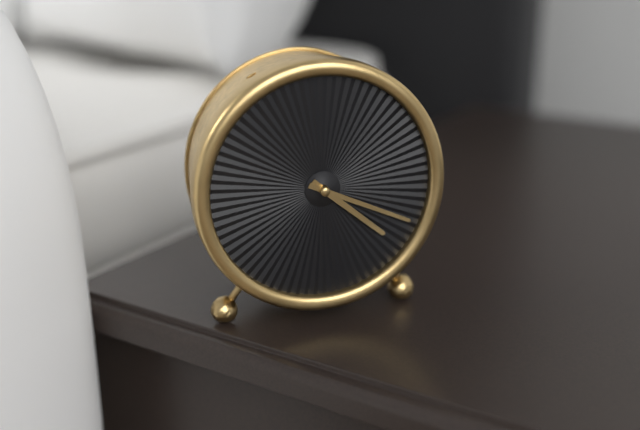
4:19
